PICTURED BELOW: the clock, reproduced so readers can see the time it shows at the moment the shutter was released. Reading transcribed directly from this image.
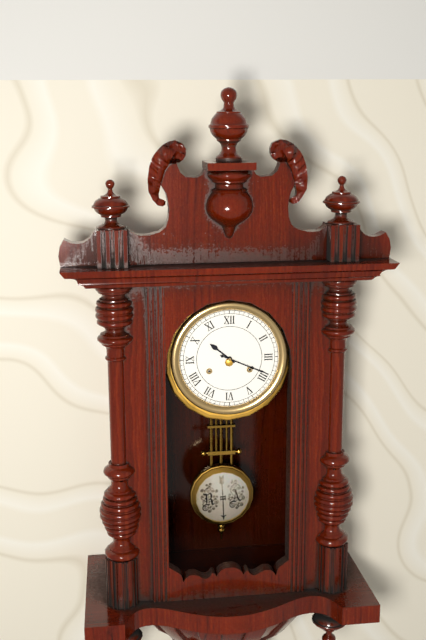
10:19
